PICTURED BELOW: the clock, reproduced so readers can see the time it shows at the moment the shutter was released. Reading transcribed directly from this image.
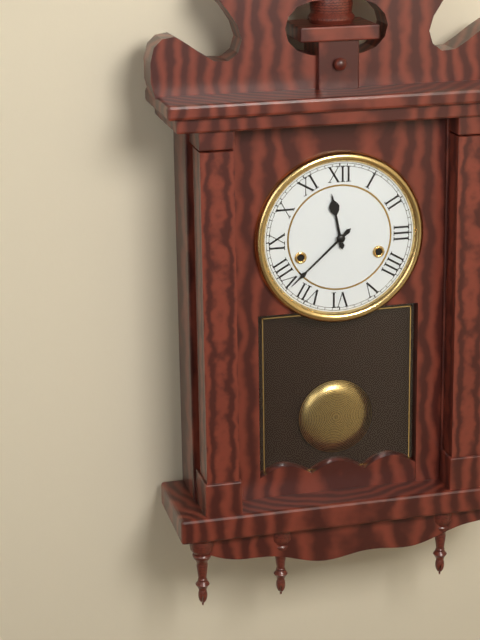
11:38
